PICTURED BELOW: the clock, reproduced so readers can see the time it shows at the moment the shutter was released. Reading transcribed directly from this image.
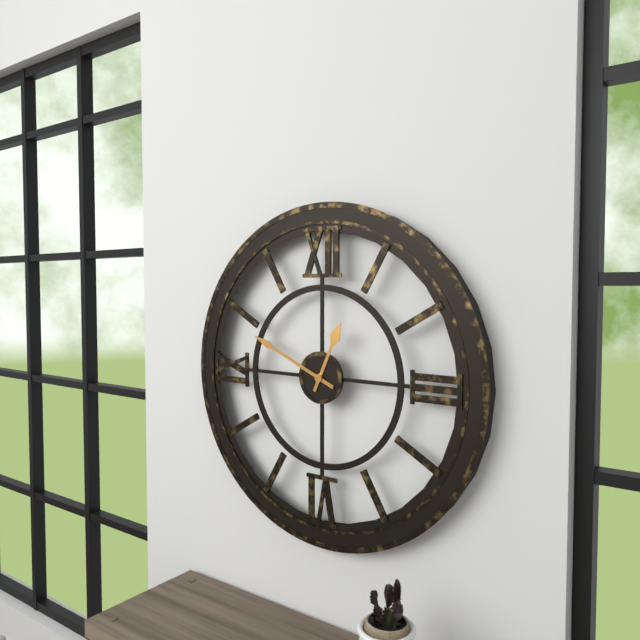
12:49
